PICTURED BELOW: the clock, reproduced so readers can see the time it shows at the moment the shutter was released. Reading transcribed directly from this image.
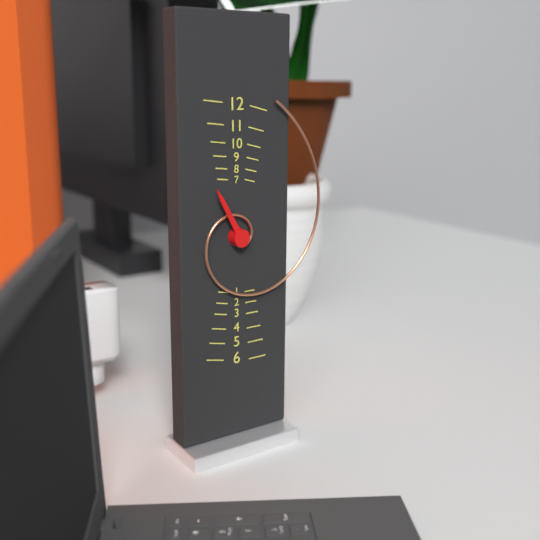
11:03
